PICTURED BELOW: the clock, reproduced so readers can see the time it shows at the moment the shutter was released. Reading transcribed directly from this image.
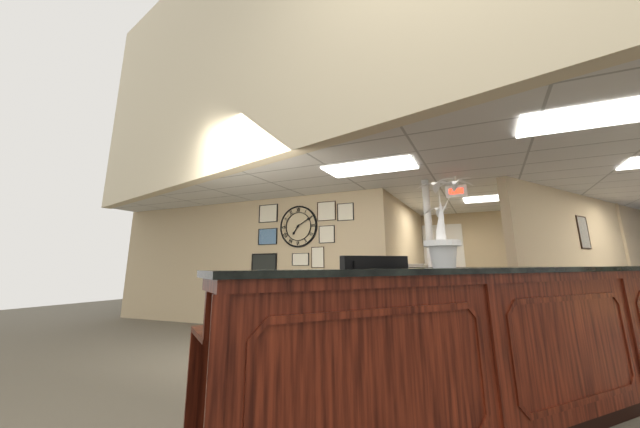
7:10
